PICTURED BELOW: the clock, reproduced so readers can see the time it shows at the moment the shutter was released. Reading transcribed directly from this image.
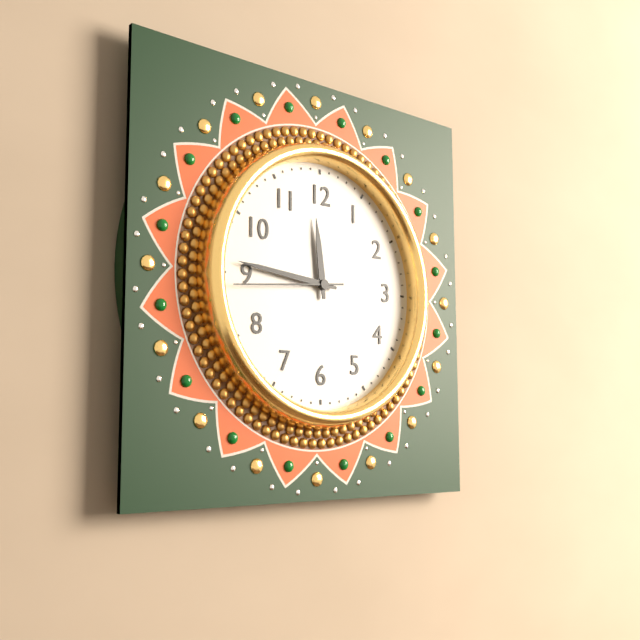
11:46:44
